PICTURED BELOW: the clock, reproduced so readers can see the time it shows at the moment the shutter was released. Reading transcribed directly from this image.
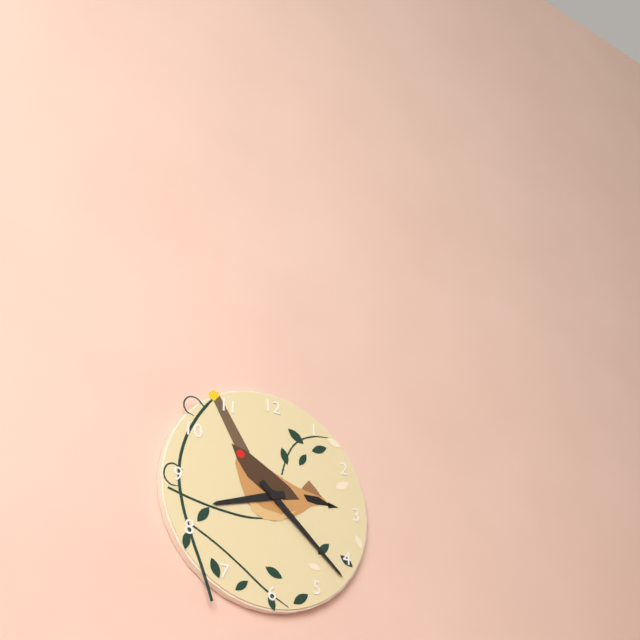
8:22
